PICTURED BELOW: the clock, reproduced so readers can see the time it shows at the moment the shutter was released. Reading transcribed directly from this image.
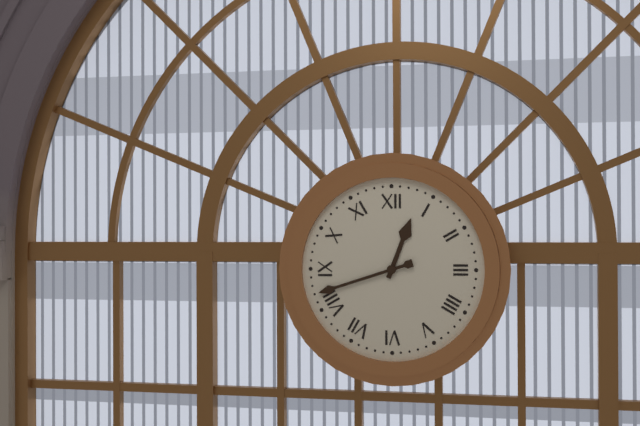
12:42
